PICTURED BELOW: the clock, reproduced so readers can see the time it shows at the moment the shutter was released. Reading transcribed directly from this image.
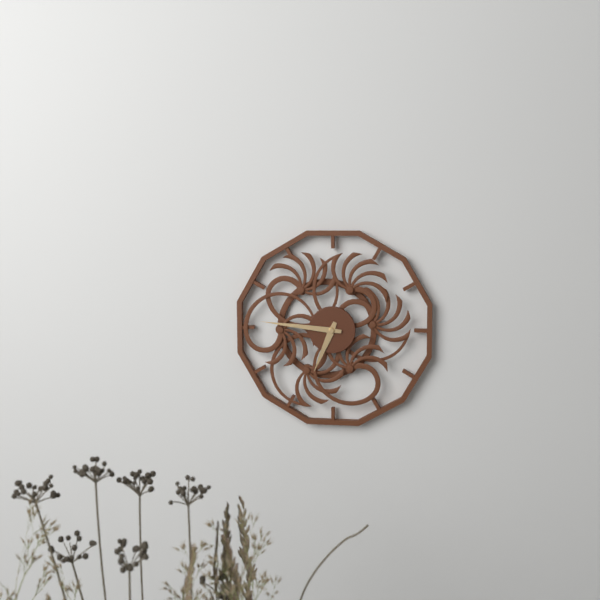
6:46
